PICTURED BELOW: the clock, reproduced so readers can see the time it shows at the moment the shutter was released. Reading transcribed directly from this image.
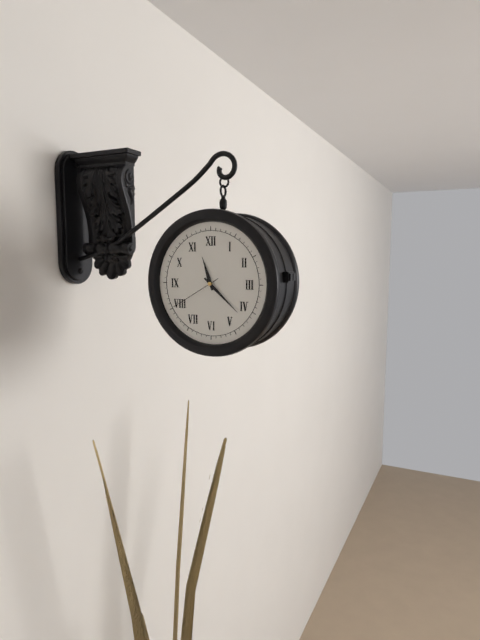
11:22:40
